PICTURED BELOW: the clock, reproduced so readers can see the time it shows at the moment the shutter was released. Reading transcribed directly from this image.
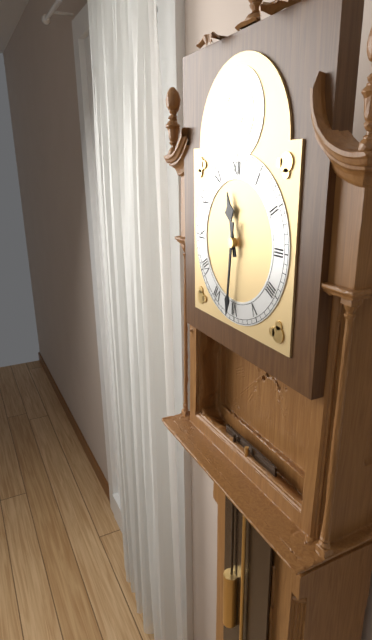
11:31
